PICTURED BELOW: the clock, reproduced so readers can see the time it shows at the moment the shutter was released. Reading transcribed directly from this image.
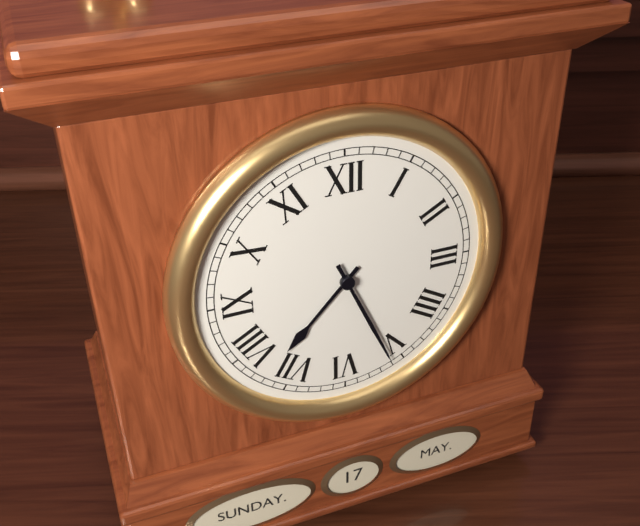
7:26
